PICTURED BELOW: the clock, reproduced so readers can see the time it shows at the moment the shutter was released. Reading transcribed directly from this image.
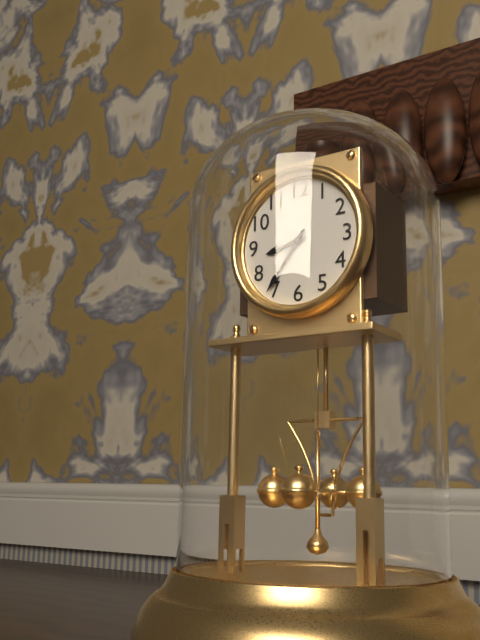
8:36
